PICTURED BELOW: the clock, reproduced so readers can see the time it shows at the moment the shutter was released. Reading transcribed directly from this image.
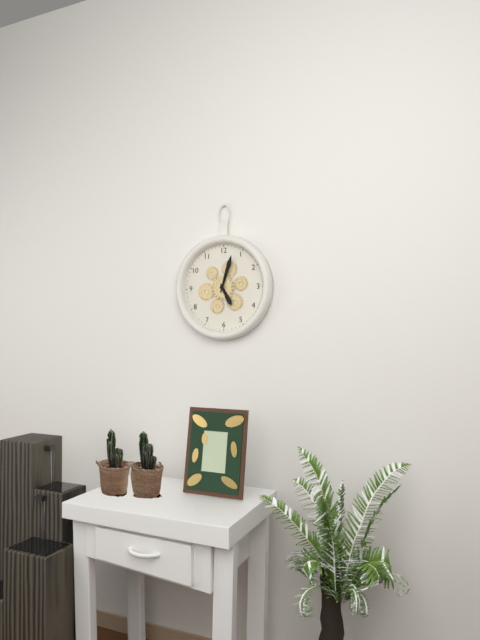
5:03
